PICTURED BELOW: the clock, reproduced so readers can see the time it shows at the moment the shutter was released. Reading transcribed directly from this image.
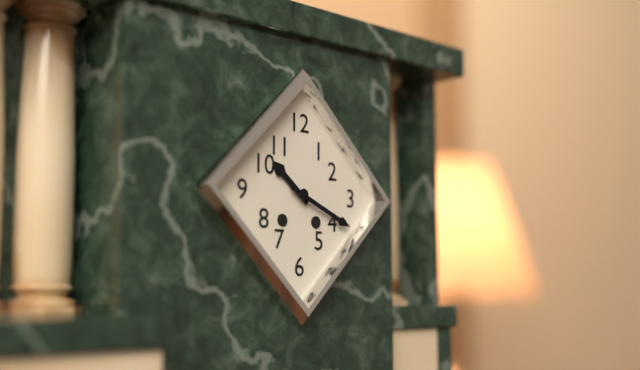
10:19
